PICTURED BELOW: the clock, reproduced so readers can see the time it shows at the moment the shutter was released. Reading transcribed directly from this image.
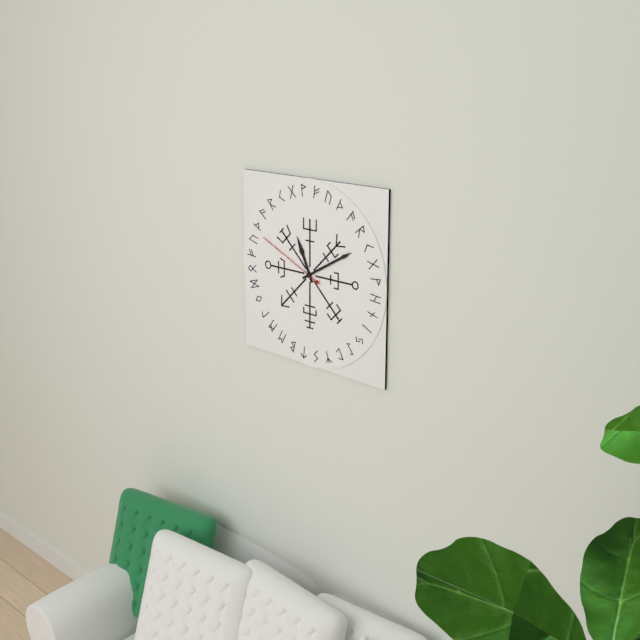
11:10:49
